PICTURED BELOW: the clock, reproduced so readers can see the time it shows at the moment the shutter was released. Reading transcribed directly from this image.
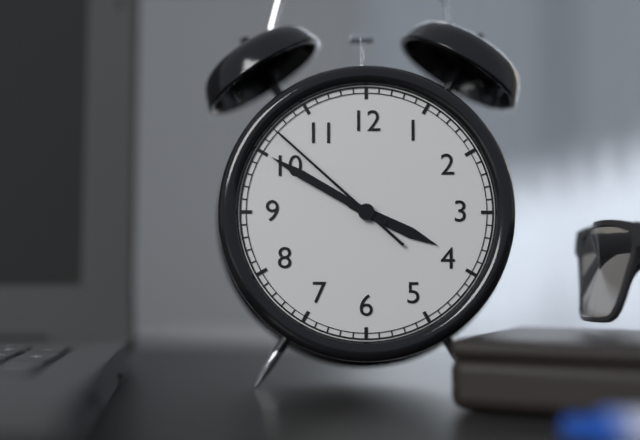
3:50:52
